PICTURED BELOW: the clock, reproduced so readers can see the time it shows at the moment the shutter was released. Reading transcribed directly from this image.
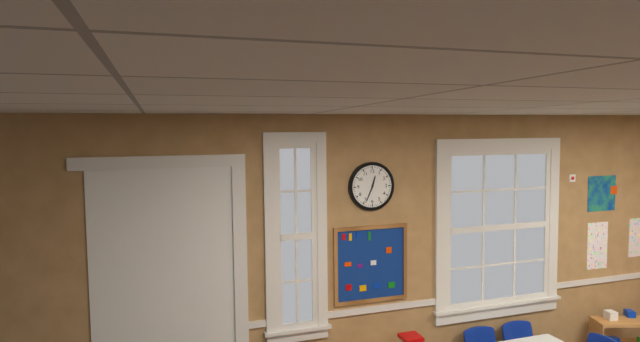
12:34
